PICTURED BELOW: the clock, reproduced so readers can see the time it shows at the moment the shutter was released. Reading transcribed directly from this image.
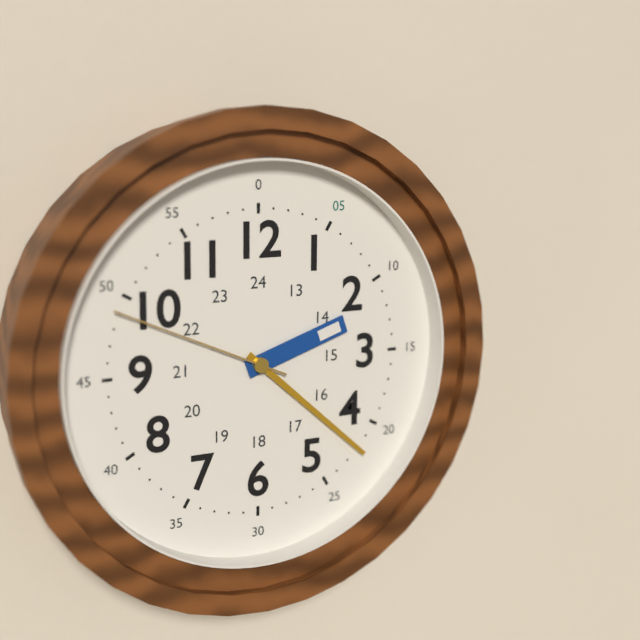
2:22:49
